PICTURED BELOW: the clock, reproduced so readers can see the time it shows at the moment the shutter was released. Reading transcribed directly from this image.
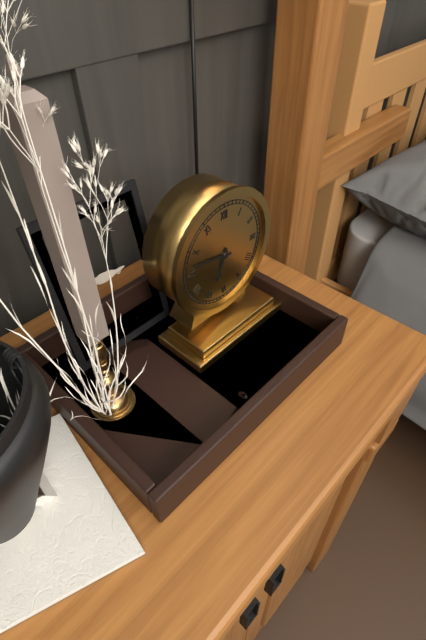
6:47
